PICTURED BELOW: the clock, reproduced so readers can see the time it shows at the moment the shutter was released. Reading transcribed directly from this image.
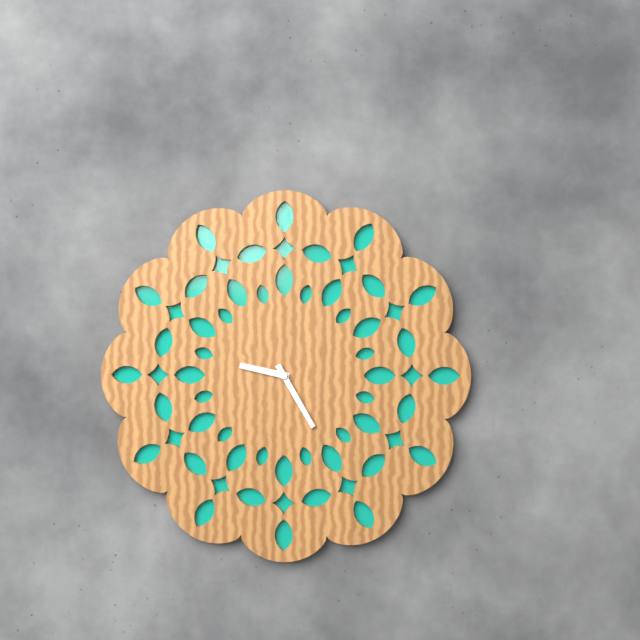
9:25
